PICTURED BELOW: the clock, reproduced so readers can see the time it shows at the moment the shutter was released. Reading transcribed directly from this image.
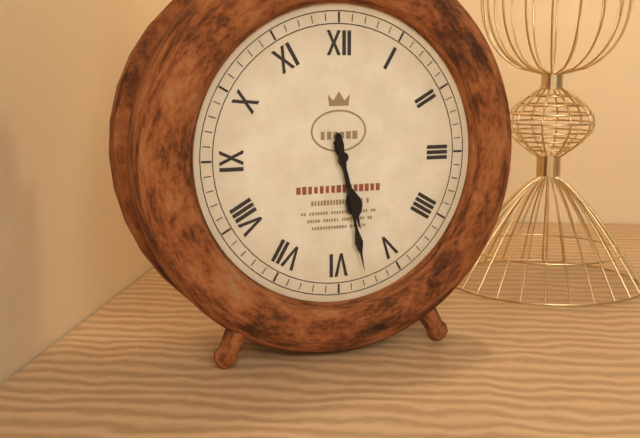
5:28
